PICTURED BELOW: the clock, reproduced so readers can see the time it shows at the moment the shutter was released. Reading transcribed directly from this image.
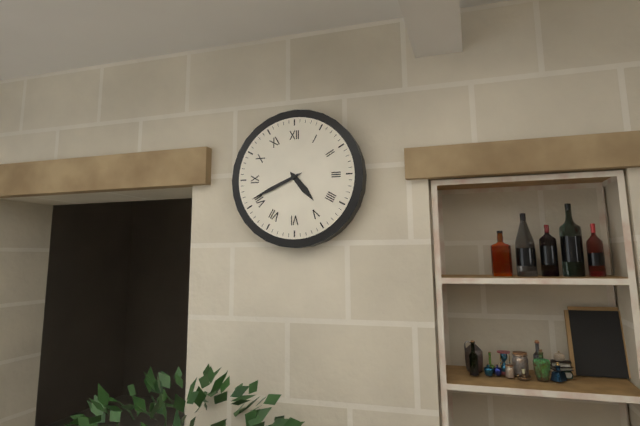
4:41
